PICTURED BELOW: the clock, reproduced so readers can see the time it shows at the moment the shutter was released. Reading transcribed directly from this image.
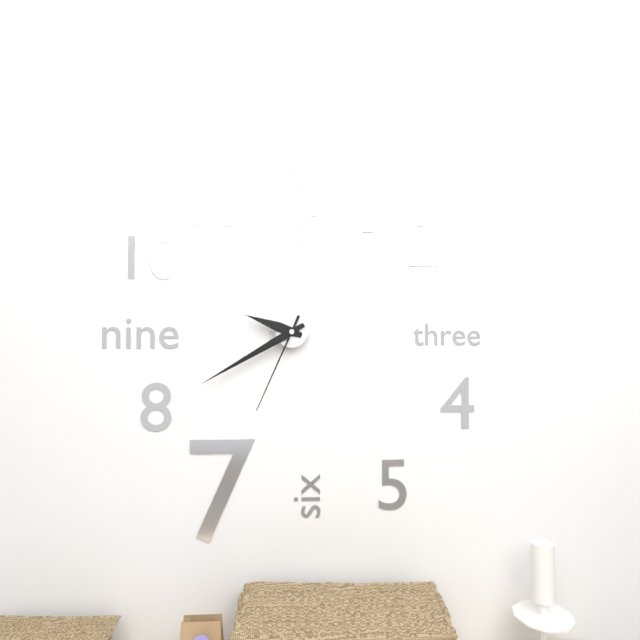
9:40:34
